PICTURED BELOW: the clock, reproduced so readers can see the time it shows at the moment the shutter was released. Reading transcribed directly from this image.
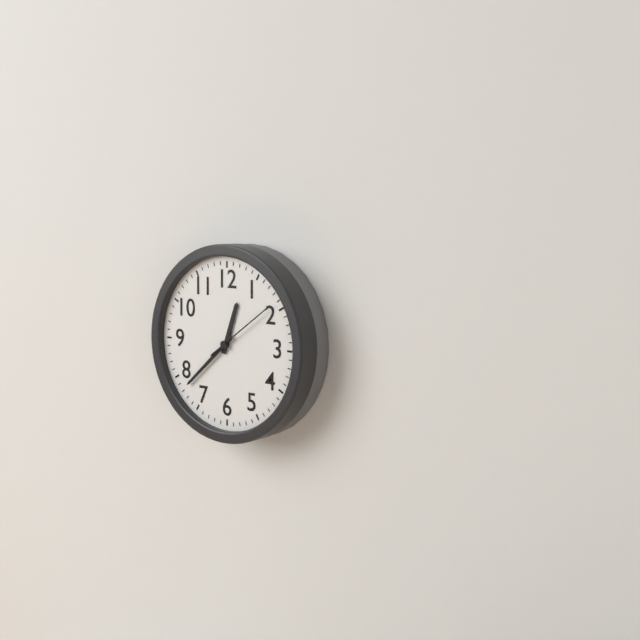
12:38
